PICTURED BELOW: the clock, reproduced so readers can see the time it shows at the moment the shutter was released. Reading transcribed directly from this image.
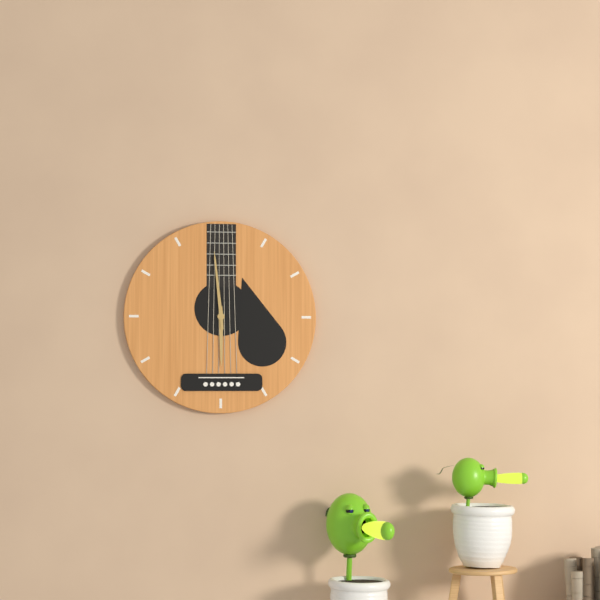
5:59
